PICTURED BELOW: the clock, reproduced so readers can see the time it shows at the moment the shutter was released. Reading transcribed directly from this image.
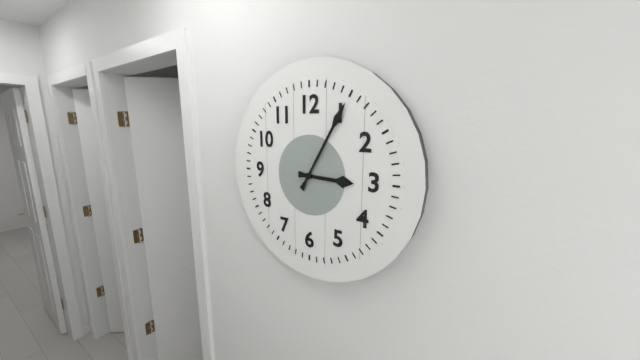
3:05
